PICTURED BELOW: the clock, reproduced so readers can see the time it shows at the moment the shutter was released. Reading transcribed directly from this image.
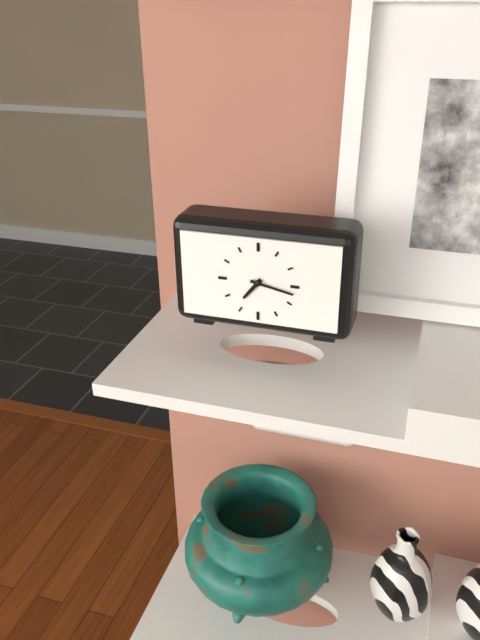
7:17
